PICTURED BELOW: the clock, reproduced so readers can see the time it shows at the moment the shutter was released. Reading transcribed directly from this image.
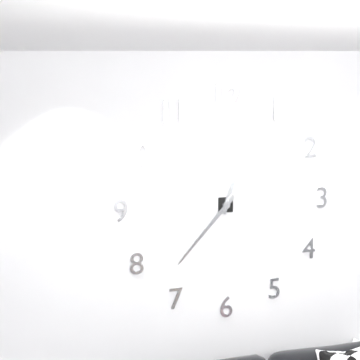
12:37
